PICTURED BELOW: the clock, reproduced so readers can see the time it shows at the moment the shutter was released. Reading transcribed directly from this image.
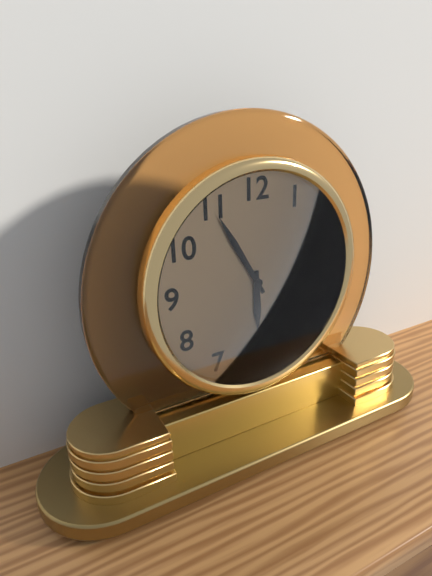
5:55
